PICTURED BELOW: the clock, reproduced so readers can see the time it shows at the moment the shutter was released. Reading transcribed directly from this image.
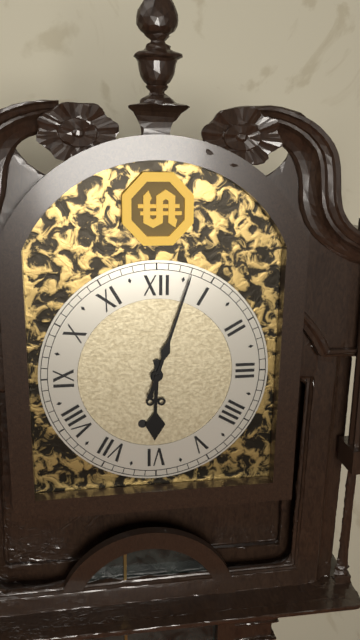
6:03
